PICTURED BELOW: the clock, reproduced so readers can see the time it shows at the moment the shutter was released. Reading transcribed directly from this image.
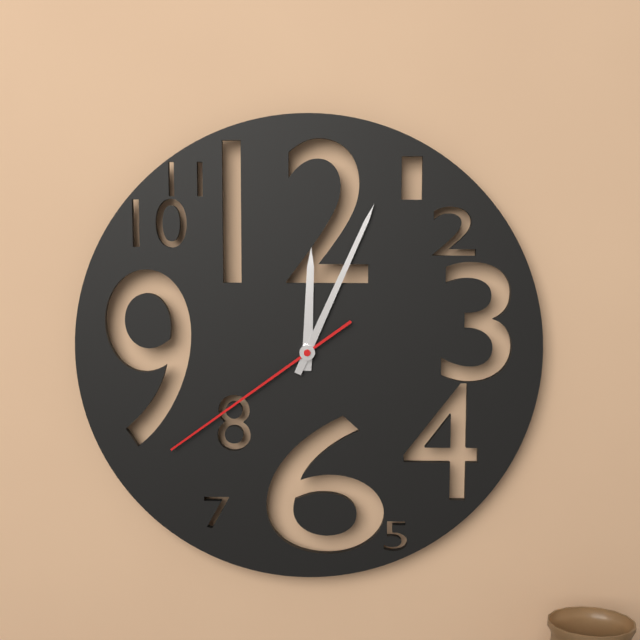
12:04:39
